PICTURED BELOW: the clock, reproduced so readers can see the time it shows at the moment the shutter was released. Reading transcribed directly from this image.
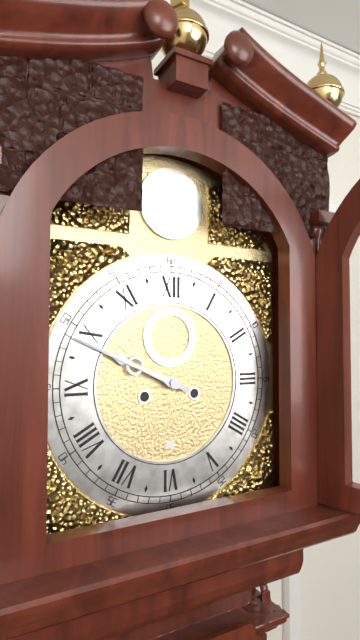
9:49
